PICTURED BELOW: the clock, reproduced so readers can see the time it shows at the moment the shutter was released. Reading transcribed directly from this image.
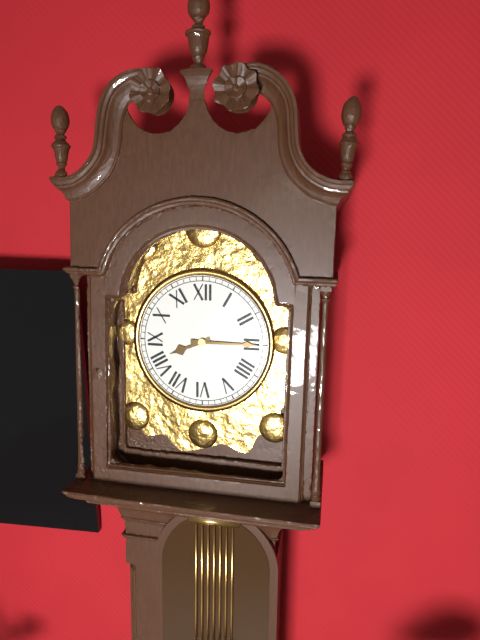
8:15
